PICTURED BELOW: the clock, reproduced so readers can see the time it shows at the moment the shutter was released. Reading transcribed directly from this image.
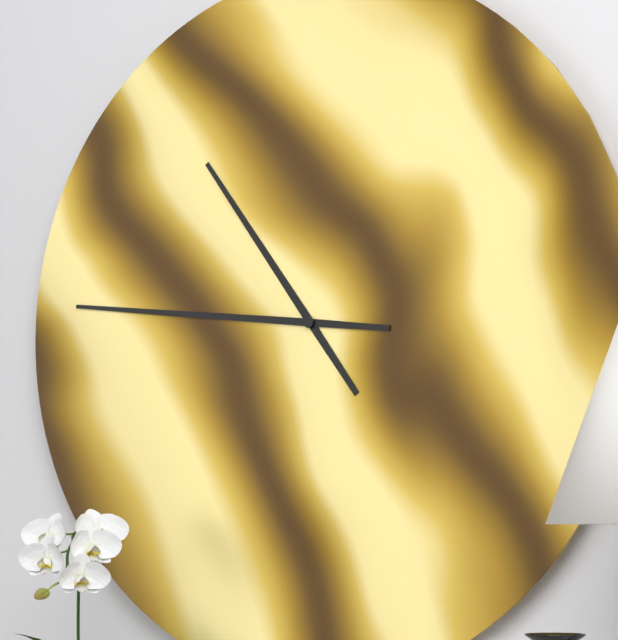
10:46
